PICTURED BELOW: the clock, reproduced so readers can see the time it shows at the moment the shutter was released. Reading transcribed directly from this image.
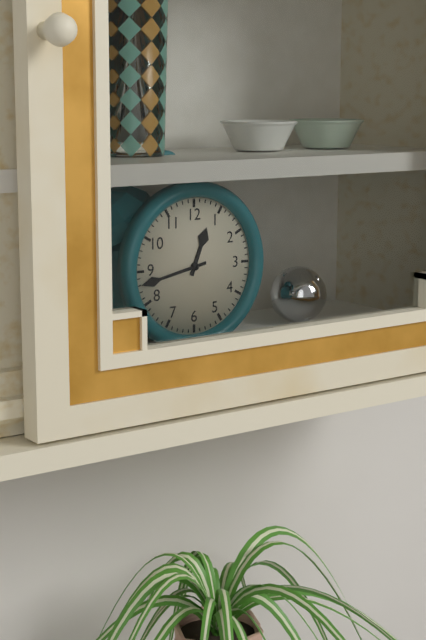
12:43
